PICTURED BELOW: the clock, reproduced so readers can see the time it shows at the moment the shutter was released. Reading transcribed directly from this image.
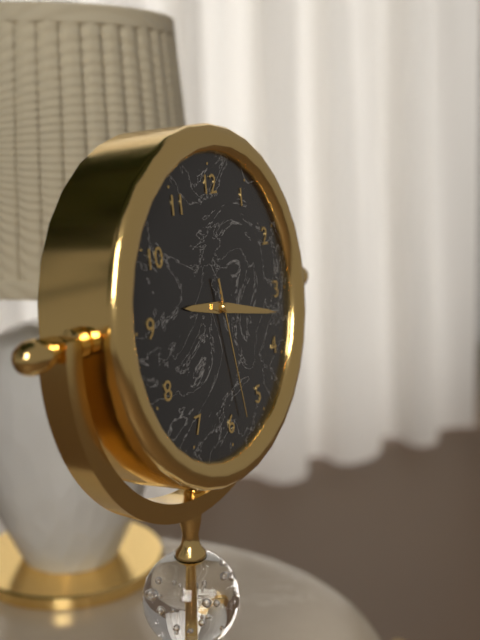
9:17:28
